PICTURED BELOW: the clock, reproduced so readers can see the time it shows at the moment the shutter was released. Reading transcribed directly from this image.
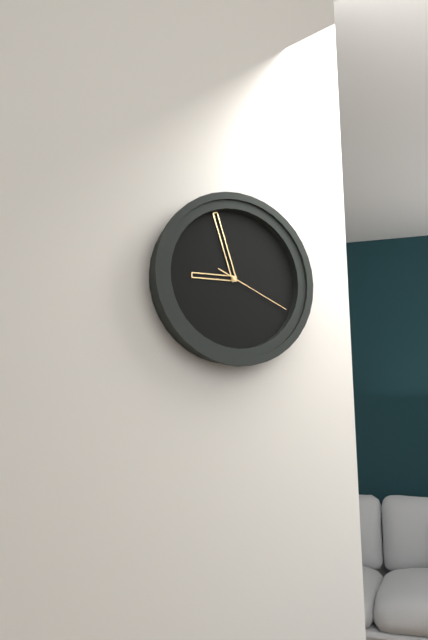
8:57:19
